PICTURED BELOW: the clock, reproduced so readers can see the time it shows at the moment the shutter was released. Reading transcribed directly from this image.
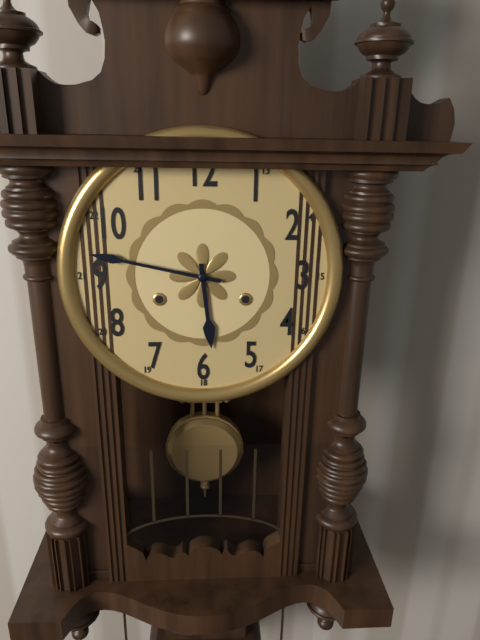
5:47
